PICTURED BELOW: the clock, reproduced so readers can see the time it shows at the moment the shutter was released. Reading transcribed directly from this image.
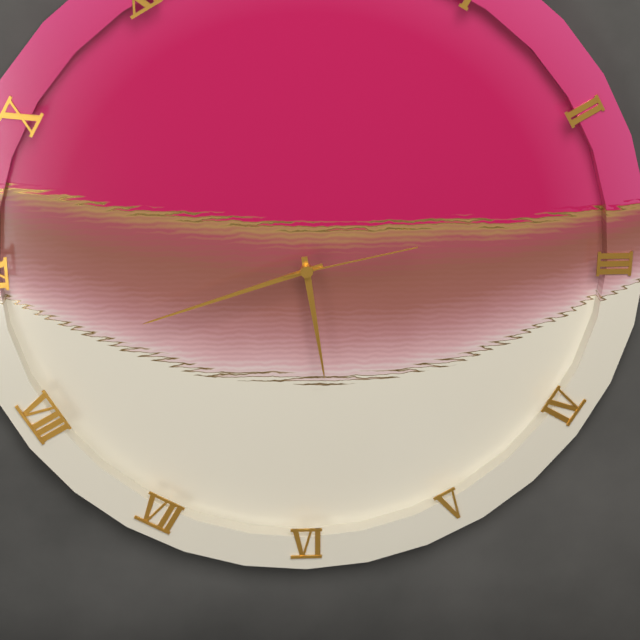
5:42:13
